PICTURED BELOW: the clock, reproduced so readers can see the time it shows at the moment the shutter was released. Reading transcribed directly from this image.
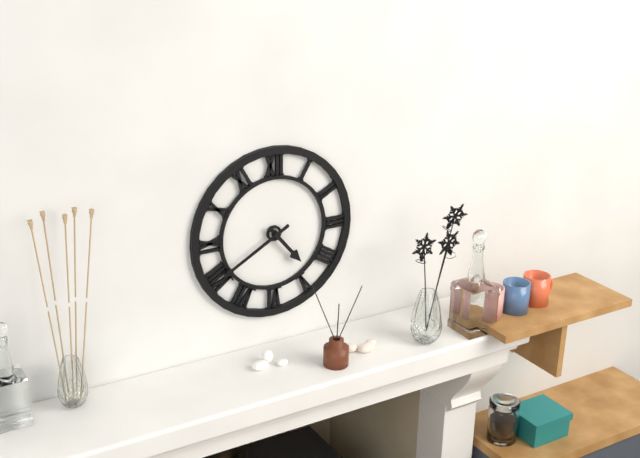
4:40
